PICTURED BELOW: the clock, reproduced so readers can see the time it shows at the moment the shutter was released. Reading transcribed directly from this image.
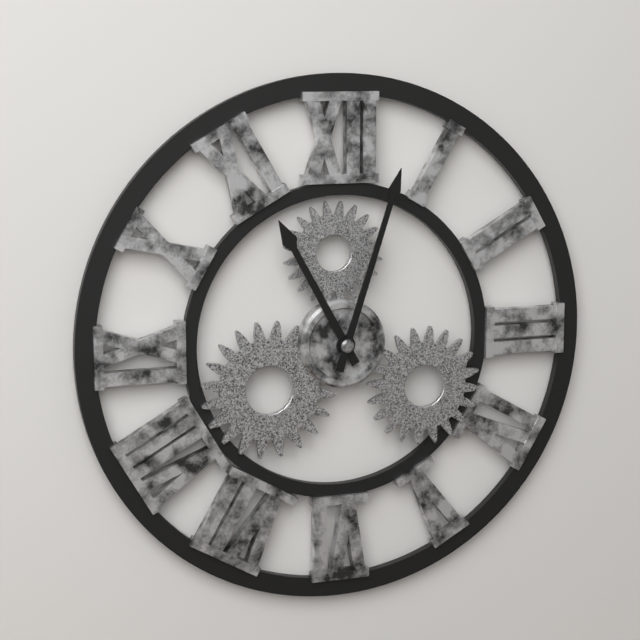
11:03
